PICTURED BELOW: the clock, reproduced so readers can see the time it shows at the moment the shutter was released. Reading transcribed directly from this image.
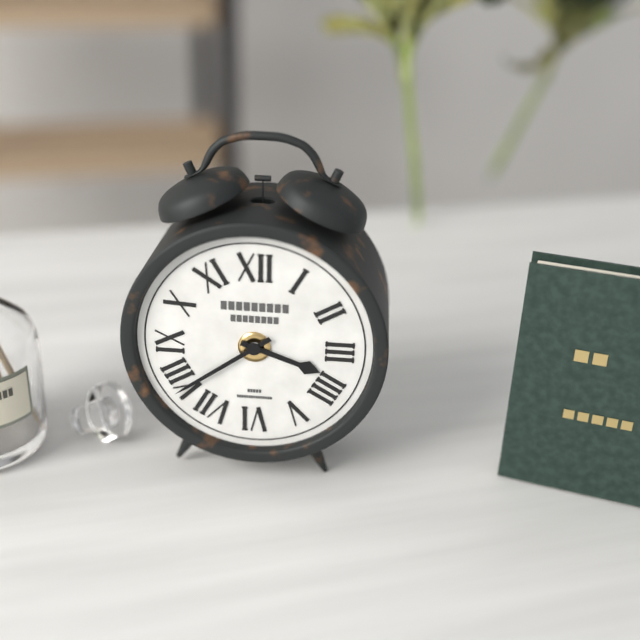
3:39
